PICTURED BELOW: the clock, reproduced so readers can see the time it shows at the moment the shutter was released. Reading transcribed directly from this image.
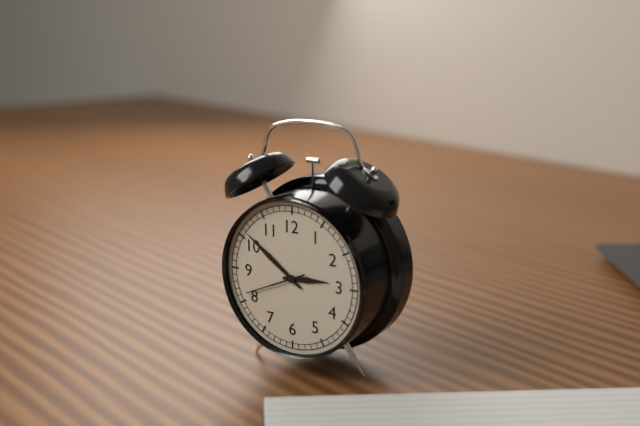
2:51:41
